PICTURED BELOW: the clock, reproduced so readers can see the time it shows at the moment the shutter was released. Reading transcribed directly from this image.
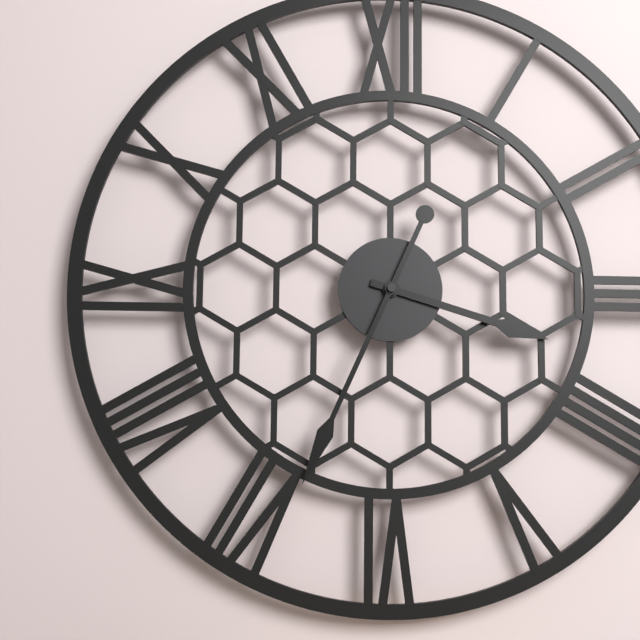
3:34
